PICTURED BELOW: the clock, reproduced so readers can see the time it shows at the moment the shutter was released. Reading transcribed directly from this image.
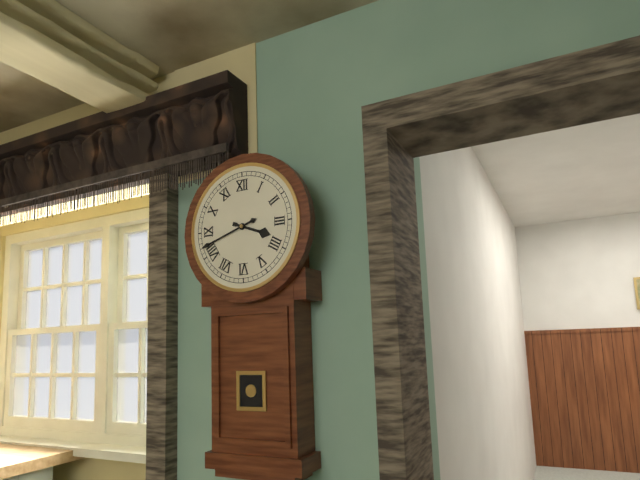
3:42
